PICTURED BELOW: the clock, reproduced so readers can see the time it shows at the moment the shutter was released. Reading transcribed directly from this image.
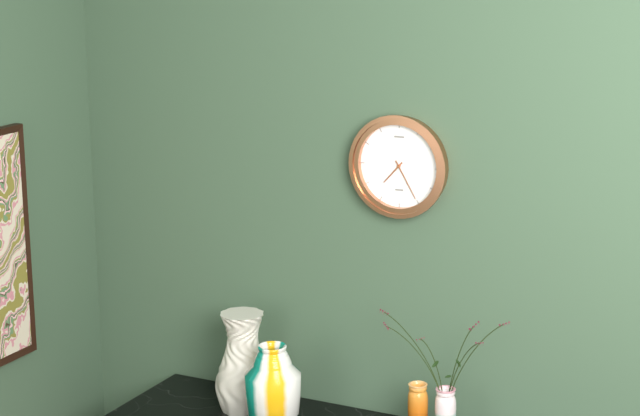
7:25
